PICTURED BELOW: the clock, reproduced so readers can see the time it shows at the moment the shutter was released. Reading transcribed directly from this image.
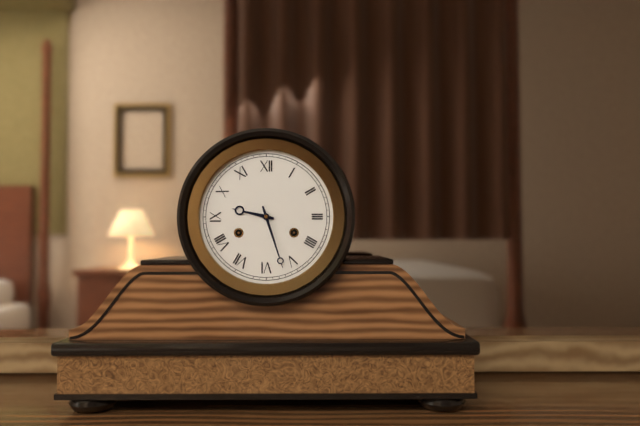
9:27
